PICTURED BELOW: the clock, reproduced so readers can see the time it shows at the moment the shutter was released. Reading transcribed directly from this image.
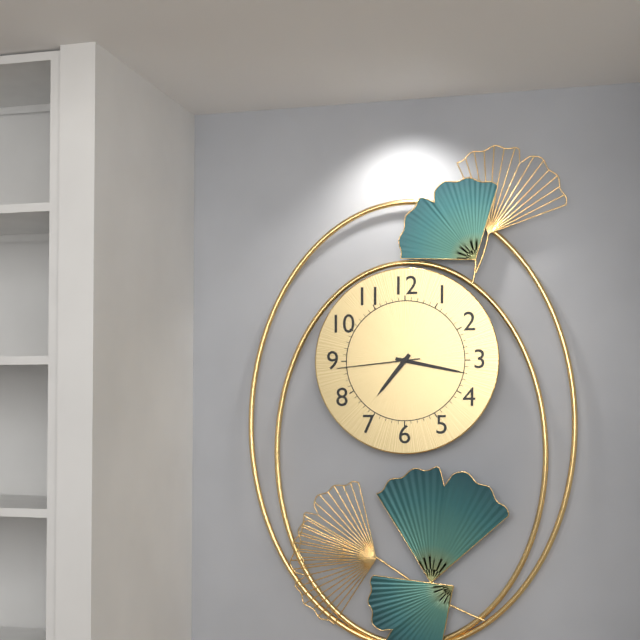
7:17:44
